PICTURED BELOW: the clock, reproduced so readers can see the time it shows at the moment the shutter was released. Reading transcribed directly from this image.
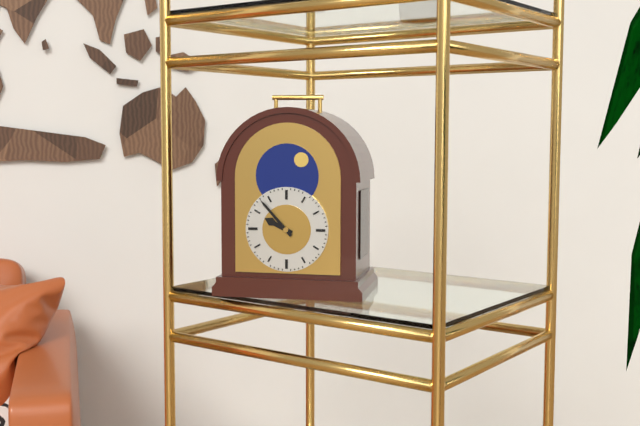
9:53
